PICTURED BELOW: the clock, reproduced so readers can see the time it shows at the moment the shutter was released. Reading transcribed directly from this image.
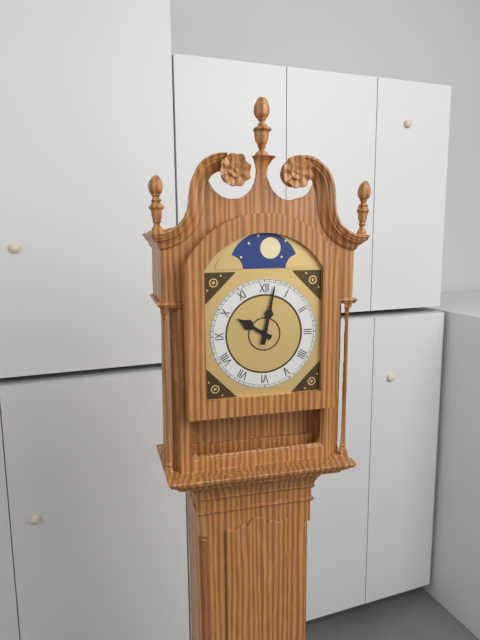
10:02
